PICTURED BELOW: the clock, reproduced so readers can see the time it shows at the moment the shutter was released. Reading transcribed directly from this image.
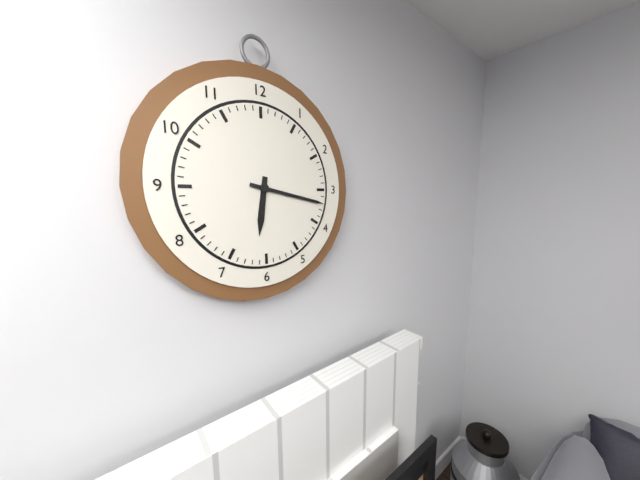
6:17
